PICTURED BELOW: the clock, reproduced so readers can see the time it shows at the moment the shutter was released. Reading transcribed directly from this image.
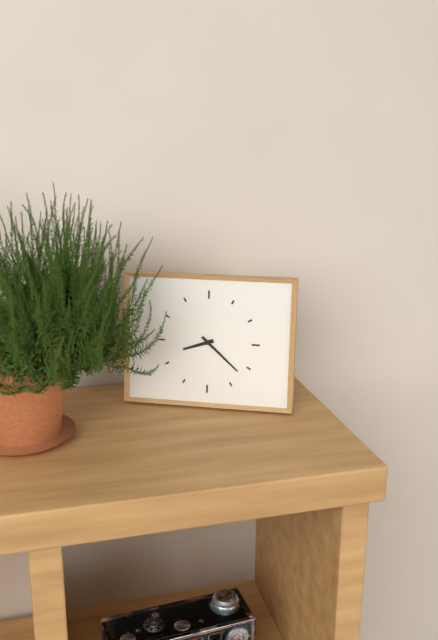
8:22
